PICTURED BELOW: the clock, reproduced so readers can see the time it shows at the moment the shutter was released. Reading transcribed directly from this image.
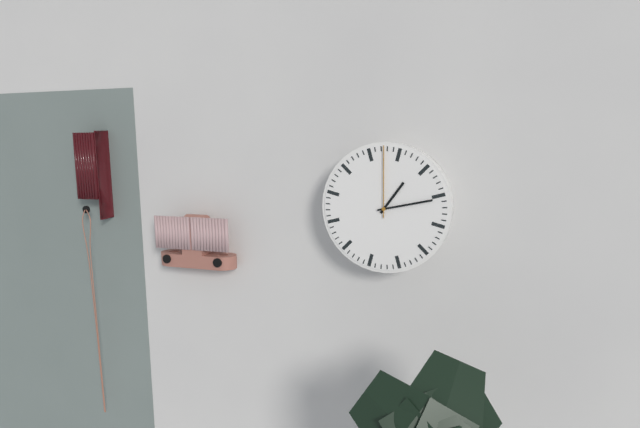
1:13:00
